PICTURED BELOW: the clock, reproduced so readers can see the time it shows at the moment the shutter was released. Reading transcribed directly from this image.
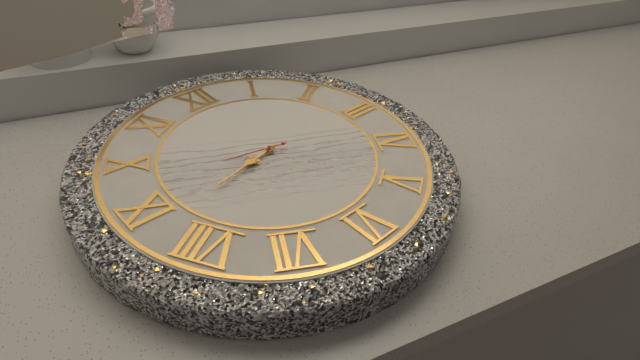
8:43:47
